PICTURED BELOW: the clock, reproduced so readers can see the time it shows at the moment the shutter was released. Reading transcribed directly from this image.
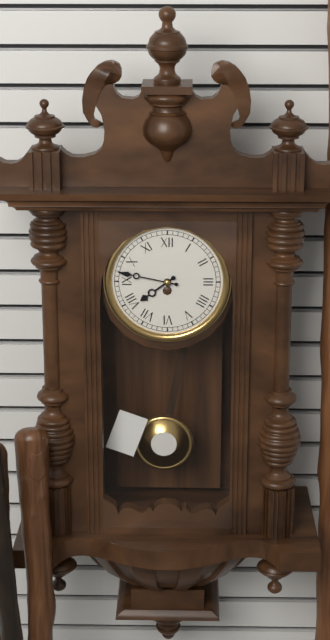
7:47
